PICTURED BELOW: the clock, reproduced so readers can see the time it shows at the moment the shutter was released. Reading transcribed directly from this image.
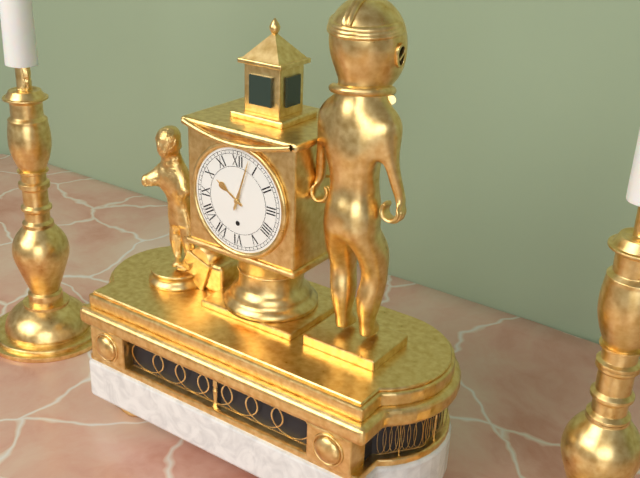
10:03
